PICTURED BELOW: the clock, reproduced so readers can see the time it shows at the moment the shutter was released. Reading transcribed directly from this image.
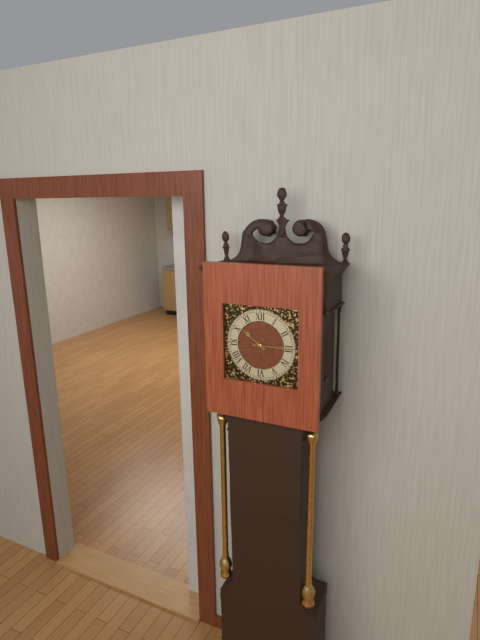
10:15
